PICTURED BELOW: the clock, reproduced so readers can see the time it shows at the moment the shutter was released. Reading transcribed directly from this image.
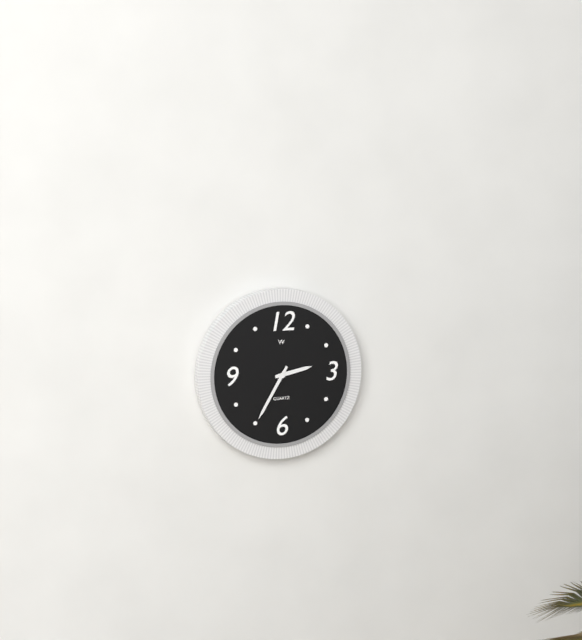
2:35
